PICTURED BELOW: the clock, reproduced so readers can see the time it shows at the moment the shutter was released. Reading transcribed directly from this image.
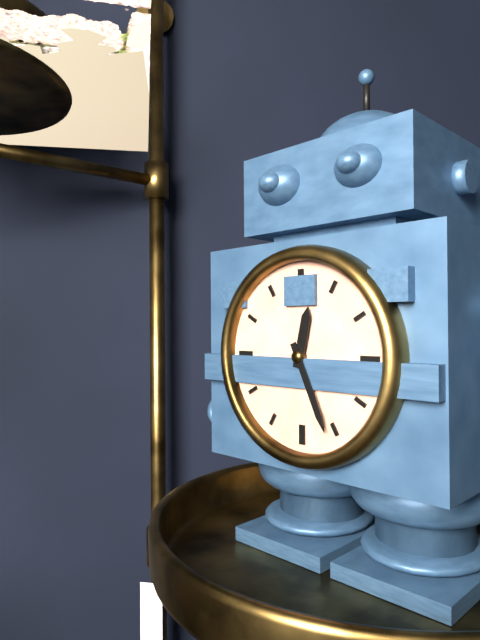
12:26
